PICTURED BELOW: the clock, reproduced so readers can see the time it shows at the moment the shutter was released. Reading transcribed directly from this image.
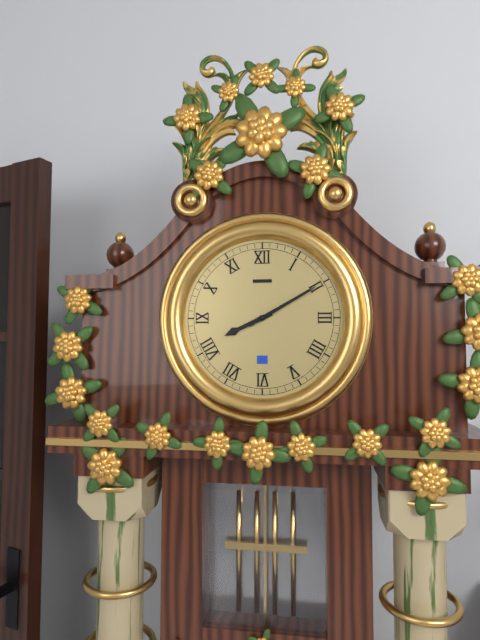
8:10
